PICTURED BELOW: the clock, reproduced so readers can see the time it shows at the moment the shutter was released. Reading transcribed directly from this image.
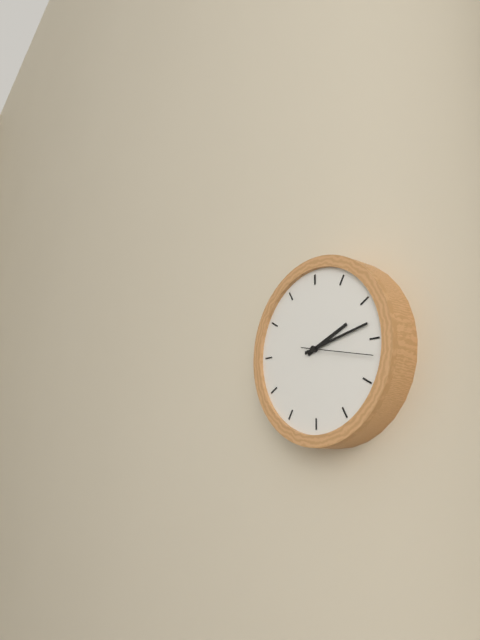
2:13:17
